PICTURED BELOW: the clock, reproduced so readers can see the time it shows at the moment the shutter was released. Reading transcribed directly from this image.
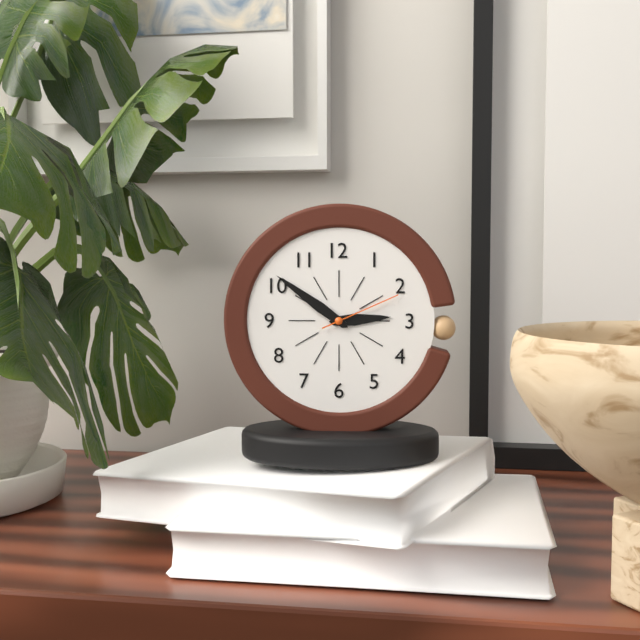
2:51:11
